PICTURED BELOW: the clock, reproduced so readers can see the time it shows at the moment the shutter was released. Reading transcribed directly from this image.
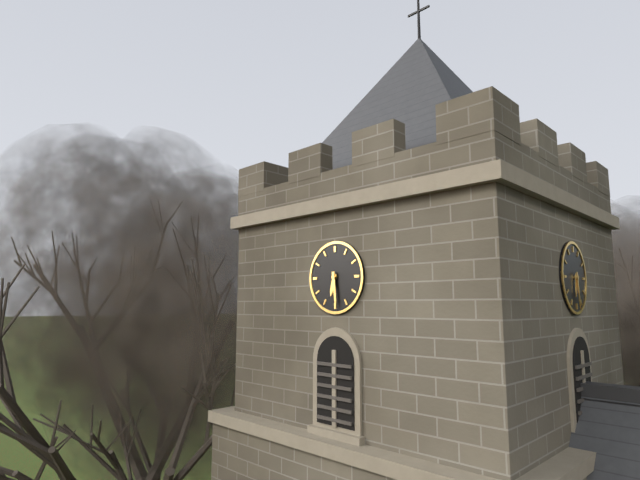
6:29
